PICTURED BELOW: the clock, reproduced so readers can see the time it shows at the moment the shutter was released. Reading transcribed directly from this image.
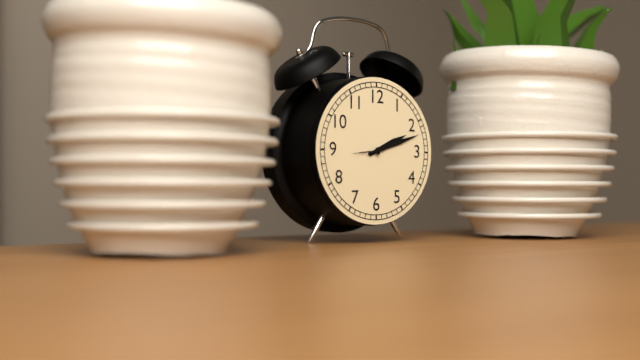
2:12
